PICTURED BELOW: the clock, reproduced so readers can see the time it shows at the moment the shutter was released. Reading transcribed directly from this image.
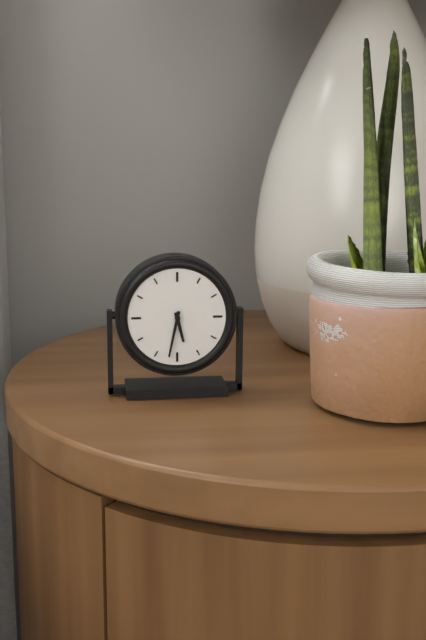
5:32
